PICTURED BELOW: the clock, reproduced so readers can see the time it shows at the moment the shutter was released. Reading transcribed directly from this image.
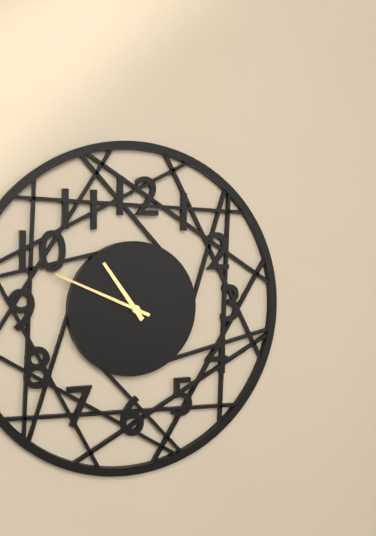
10:49
